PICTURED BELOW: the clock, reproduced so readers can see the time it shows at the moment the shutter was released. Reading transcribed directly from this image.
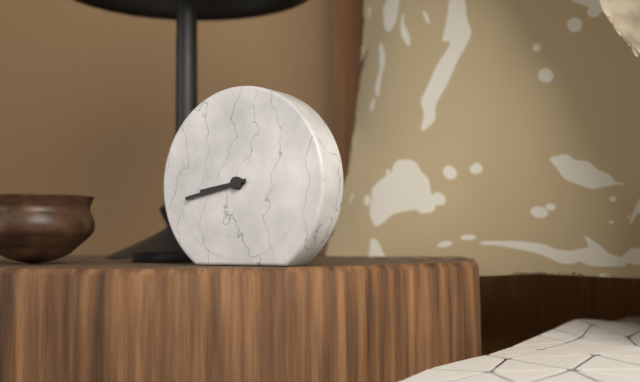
8:43
